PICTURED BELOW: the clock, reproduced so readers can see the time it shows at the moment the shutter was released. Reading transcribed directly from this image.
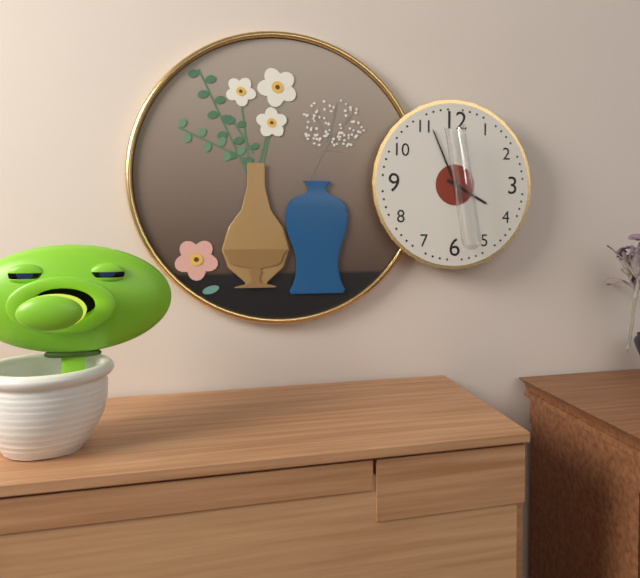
3:56
